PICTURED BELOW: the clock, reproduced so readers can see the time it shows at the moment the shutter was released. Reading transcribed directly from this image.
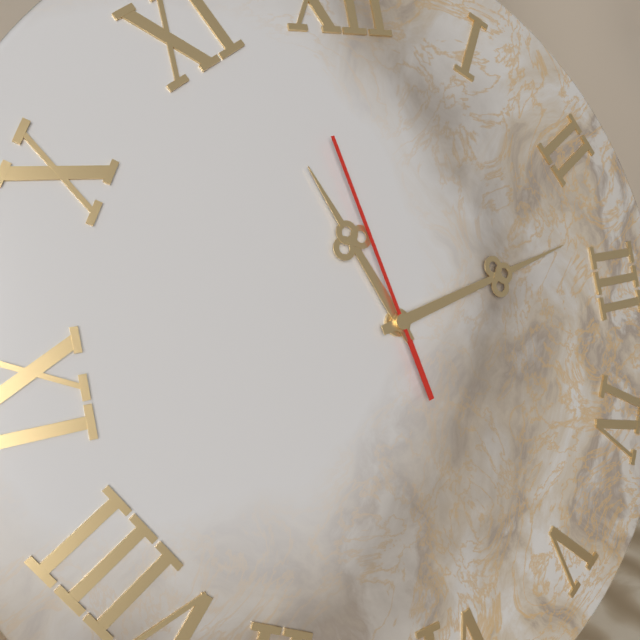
11:13:58
